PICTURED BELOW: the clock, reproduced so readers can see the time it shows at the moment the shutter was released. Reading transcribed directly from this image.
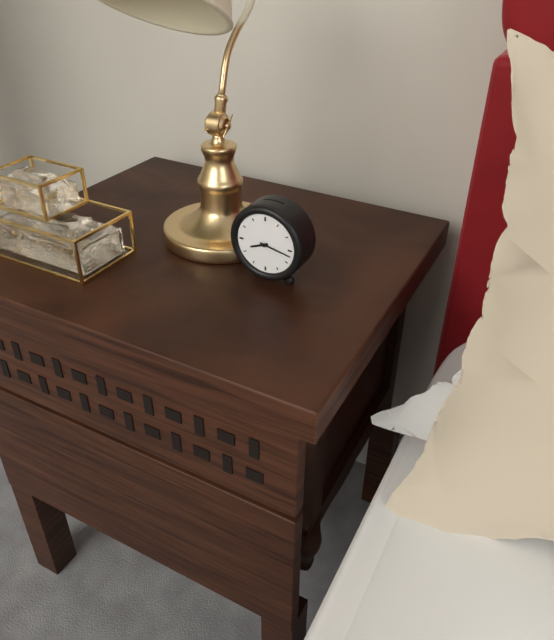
8:17
